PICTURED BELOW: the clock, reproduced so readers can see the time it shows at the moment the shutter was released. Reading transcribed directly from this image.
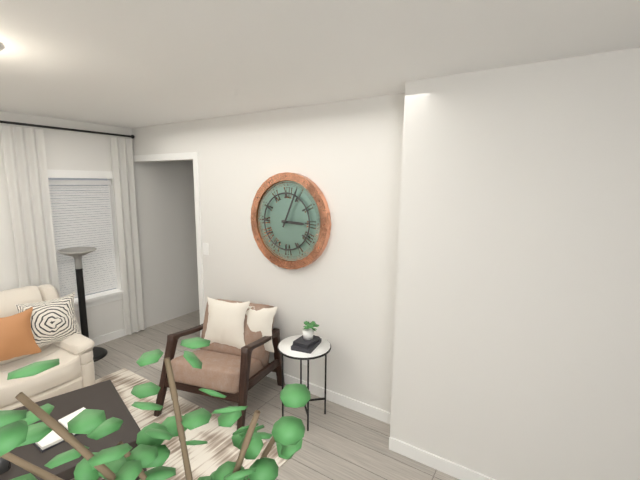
3:04
